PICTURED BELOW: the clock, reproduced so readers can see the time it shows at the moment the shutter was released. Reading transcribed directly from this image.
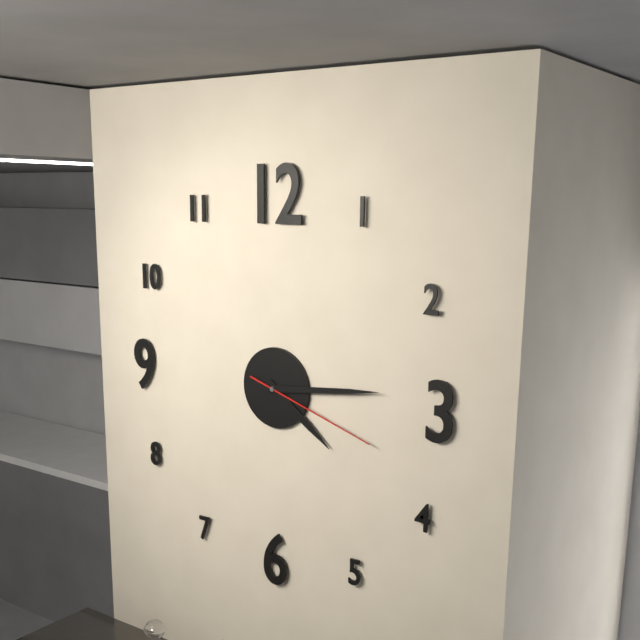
4:14:18
